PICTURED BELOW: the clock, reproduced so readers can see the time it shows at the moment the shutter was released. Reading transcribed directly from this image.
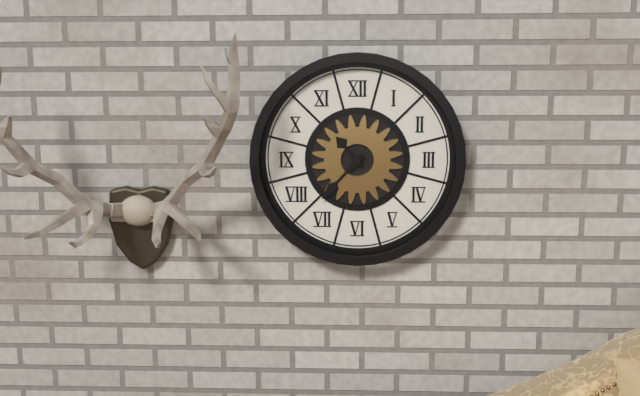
10:37
